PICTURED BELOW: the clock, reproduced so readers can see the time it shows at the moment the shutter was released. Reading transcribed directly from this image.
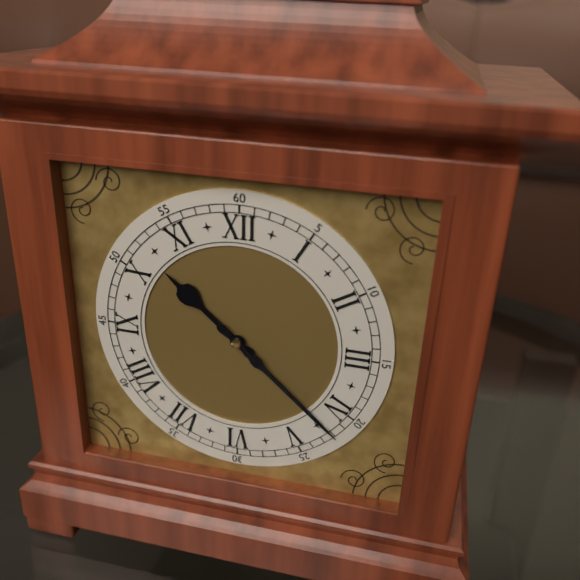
10:22
